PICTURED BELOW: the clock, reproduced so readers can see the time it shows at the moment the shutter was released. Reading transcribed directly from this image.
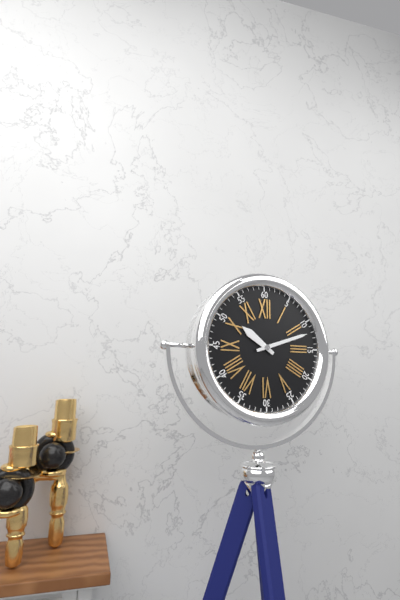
10:12
